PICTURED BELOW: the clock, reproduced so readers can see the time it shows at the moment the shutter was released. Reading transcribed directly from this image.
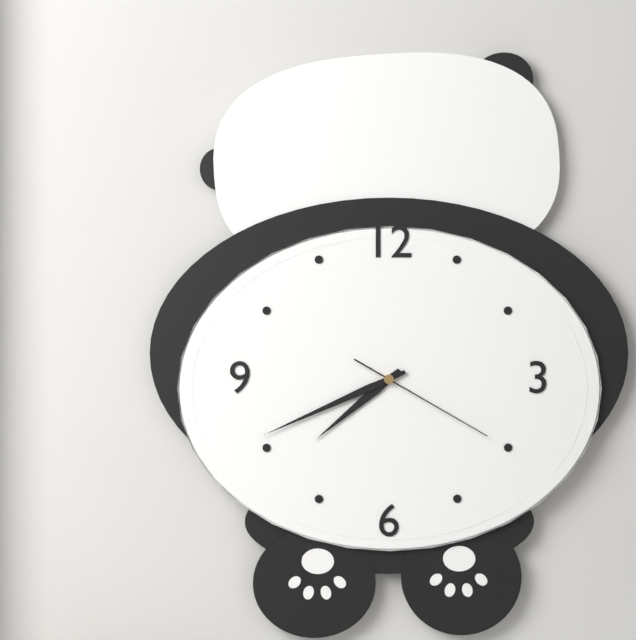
7:41:20
